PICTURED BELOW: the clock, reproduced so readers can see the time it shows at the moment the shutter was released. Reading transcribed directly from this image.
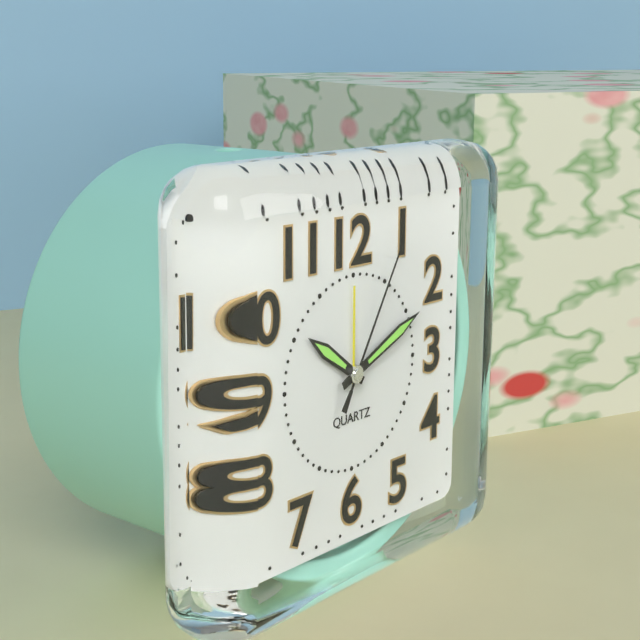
10:11:05
